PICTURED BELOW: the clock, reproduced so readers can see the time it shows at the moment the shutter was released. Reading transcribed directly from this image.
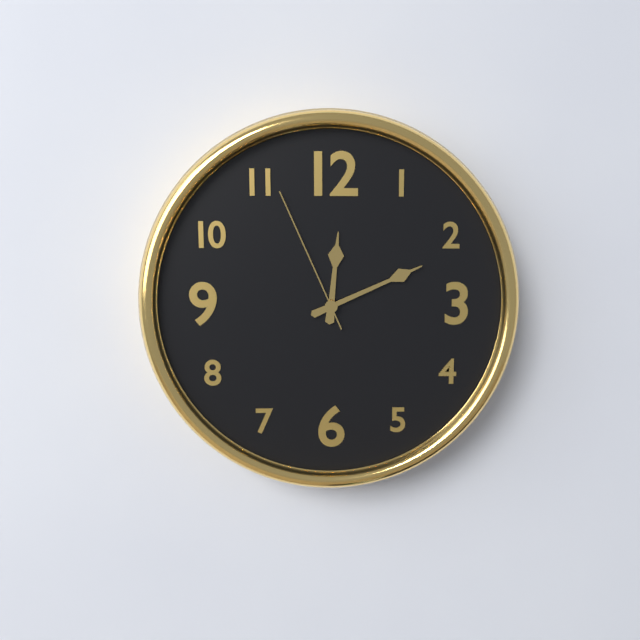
12:11:56
